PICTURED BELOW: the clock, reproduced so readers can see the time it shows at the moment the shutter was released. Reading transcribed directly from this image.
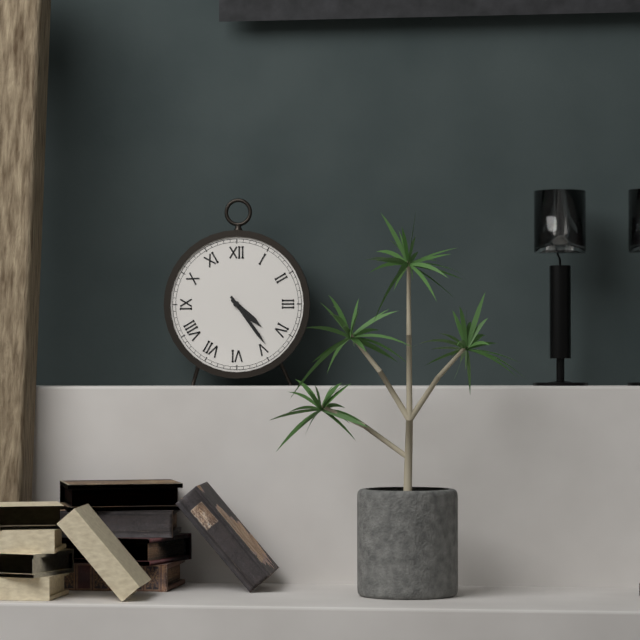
4:24
